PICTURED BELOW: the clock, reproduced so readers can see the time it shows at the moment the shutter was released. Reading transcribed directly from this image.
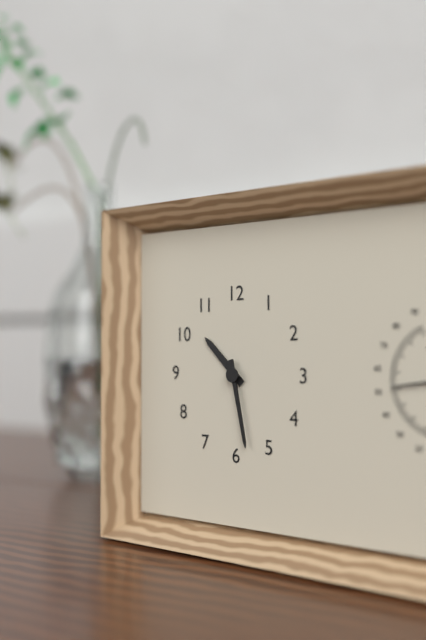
10:28
